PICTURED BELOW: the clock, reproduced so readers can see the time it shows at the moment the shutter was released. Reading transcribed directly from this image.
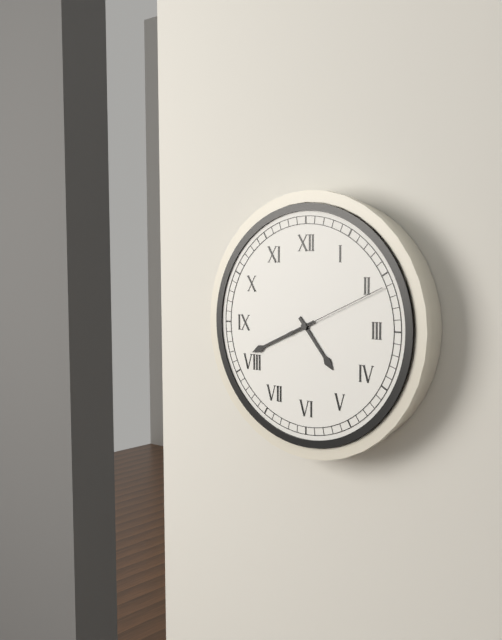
4:41:11
